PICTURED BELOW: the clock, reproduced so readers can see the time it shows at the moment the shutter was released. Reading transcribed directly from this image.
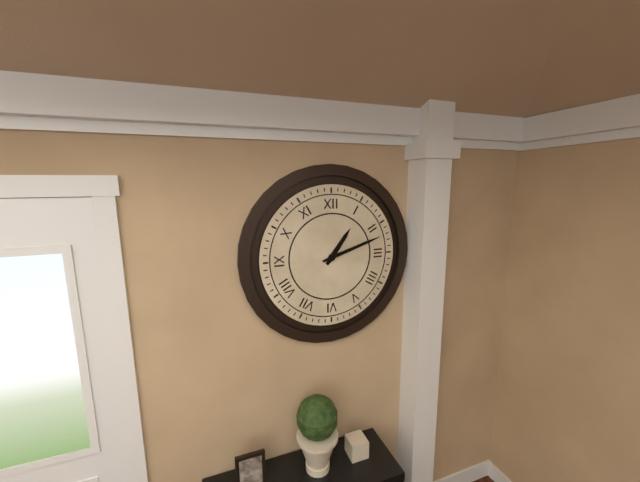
1:12
